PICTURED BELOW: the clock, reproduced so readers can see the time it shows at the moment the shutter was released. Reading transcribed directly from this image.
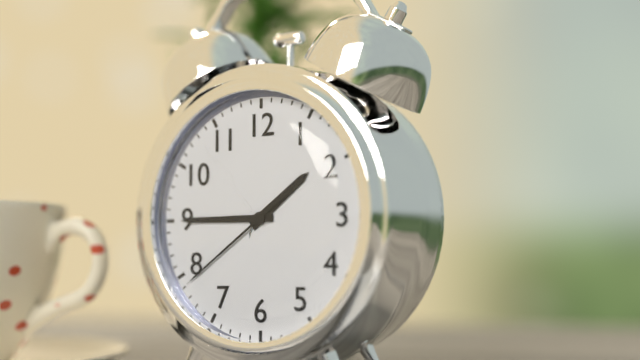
1:45:39
